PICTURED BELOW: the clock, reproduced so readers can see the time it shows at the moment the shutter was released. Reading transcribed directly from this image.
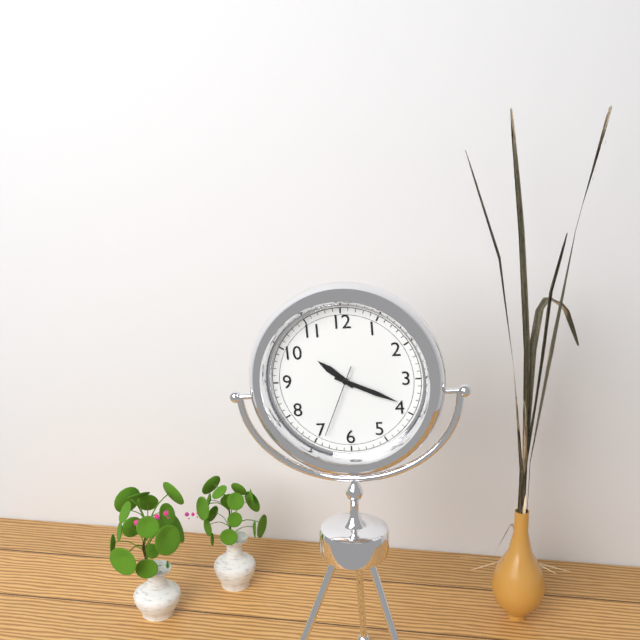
10:19:34
